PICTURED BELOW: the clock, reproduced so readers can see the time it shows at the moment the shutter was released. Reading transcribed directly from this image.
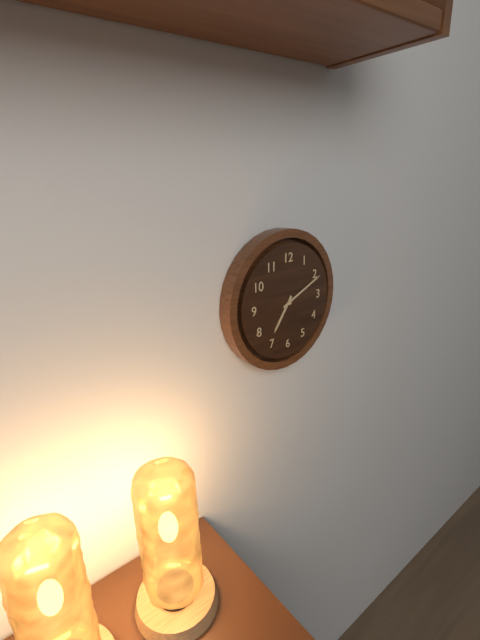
7:11
